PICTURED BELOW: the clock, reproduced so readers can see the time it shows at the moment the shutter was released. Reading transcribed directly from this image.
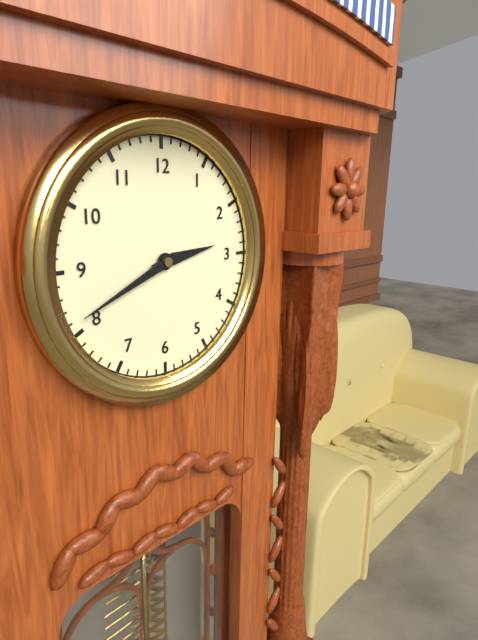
2:41
